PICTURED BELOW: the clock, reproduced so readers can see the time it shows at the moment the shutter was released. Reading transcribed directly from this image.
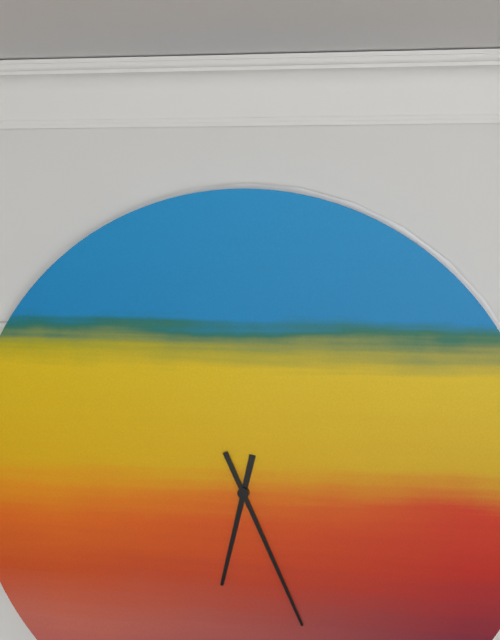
6:26
